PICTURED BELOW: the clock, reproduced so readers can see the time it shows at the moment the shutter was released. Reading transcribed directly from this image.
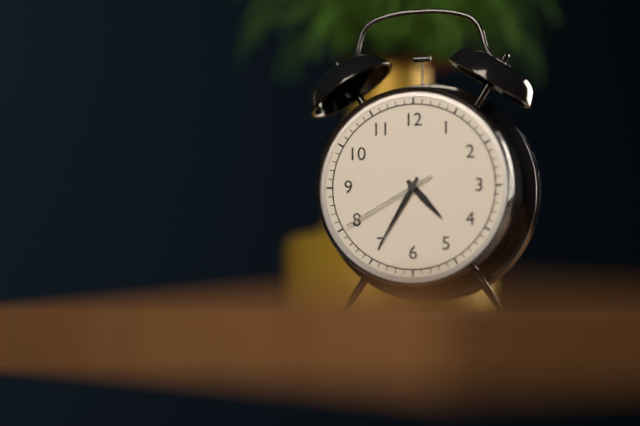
4:35:40
